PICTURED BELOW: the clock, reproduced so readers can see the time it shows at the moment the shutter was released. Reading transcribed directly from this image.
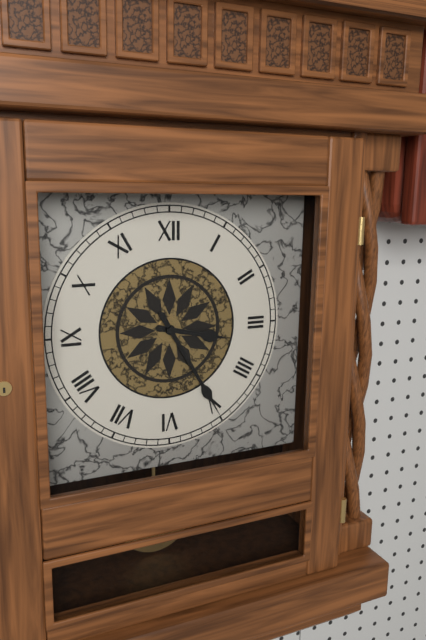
3:25
